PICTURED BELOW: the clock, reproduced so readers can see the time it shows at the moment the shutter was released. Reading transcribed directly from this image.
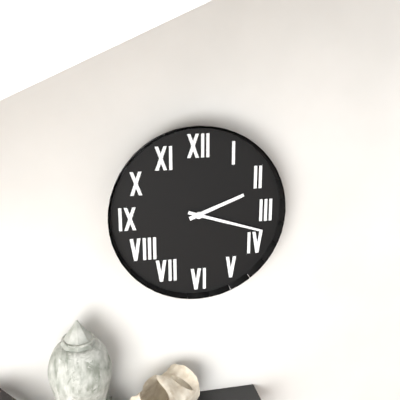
2:18
